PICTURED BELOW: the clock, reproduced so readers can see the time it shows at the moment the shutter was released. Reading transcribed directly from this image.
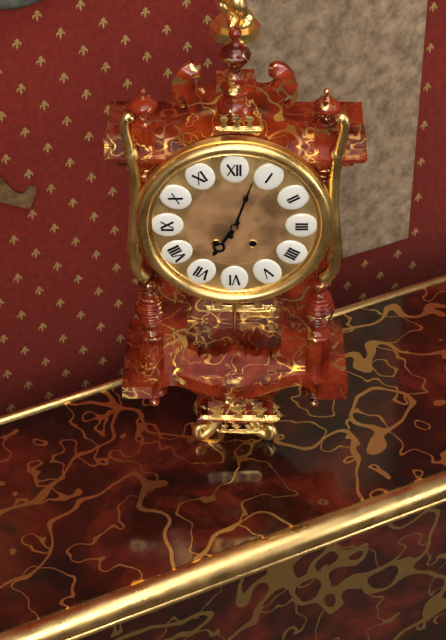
7:03
